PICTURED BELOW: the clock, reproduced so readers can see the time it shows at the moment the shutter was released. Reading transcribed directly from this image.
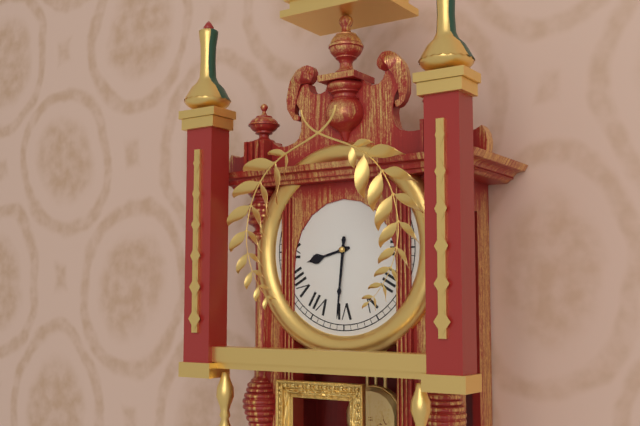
8:31
